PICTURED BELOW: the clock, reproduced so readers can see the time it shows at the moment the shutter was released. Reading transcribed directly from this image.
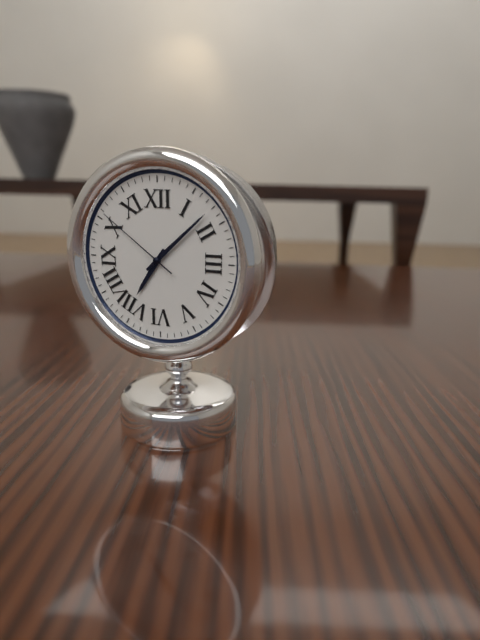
7:08:51
